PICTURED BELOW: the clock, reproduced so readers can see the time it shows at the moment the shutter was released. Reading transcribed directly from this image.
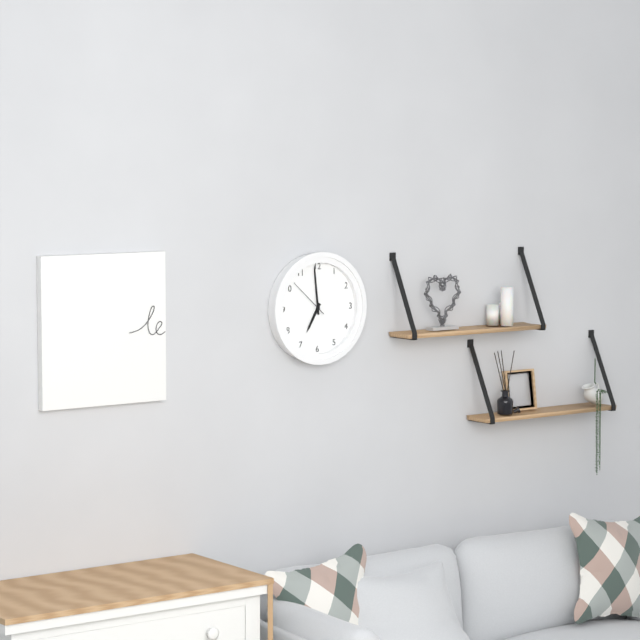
6:59
